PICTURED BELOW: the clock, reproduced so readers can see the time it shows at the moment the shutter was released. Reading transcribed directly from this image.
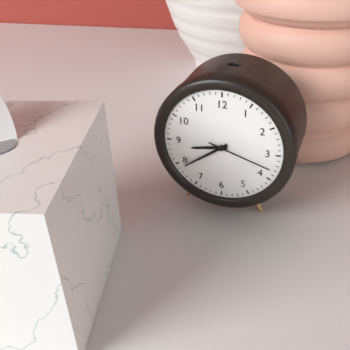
8:39:18
